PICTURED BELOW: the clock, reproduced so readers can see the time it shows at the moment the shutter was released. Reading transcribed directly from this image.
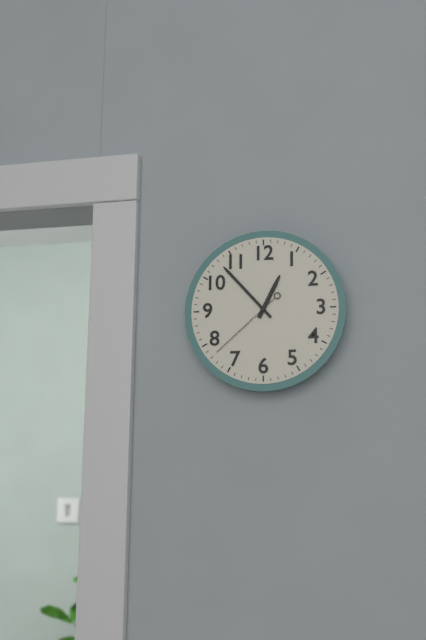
12:53:38
